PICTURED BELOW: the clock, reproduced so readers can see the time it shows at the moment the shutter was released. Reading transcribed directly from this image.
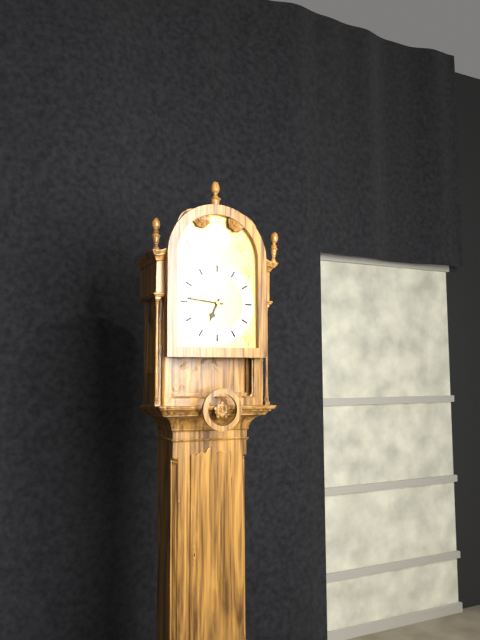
6:46
